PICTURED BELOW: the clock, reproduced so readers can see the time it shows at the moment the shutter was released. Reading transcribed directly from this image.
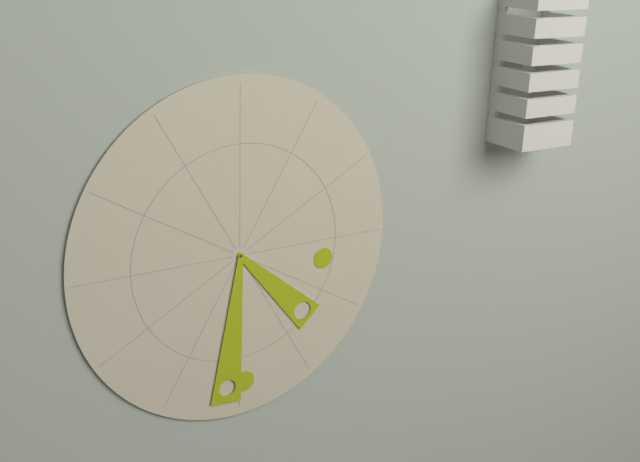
4:31
